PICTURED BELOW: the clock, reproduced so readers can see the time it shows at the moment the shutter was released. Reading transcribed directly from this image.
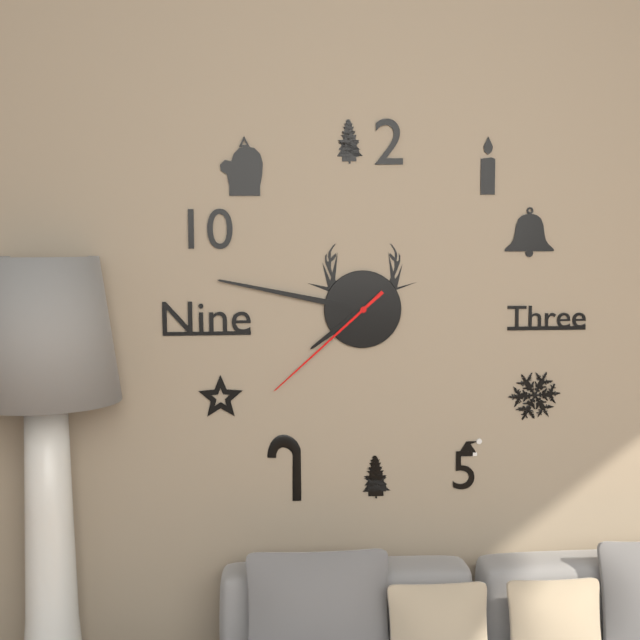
7:47:38
